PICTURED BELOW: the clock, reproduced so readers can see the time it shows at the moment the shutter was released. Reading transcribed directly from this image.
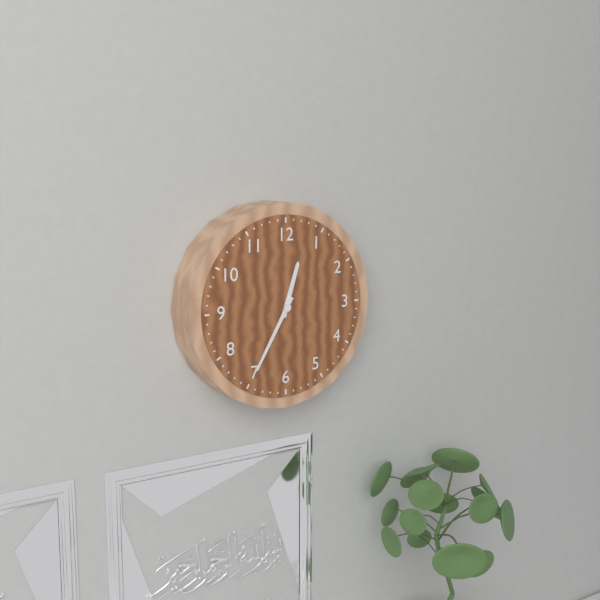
12:35
